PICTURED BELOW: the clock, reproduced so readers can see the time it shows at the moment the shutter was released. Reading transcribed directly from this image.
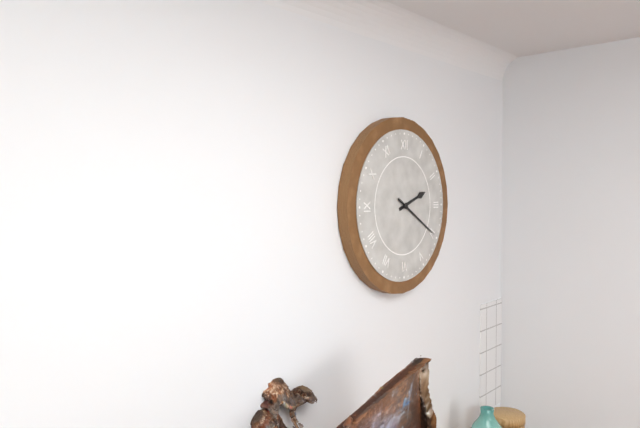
2:20
